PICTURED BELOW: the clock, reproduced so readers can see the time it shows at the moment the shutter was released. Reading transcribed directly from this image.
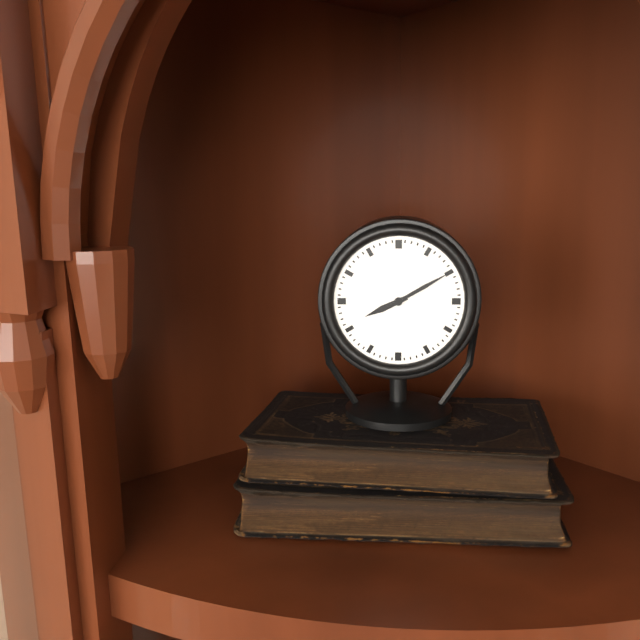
8:10
